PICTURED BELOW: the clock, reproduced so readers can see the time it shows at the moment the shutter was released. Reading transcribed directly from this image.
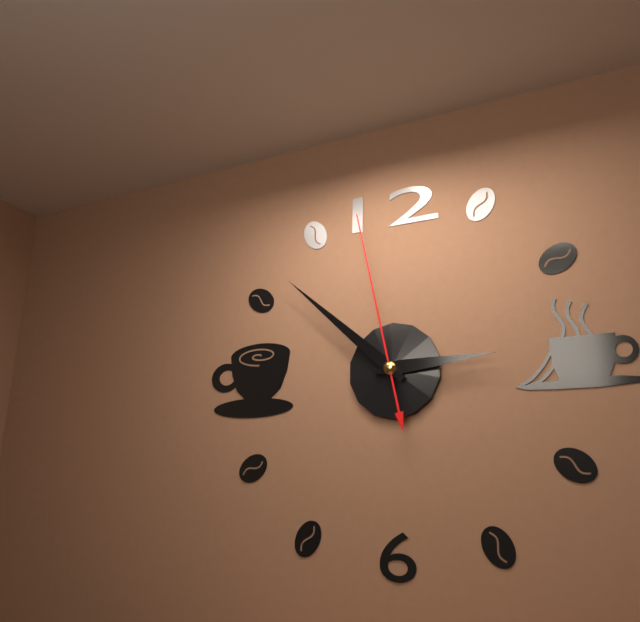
2:52:58
